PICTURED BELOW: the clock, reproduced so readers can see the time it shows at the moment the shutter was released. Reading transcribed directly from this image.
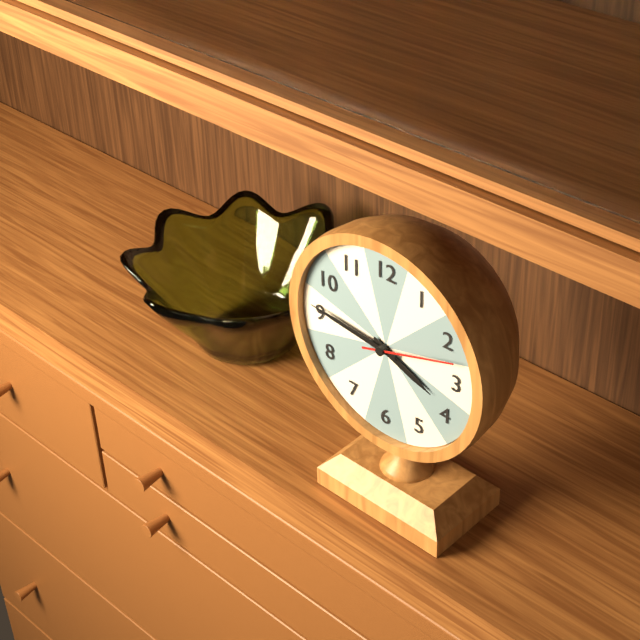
3:46:12
